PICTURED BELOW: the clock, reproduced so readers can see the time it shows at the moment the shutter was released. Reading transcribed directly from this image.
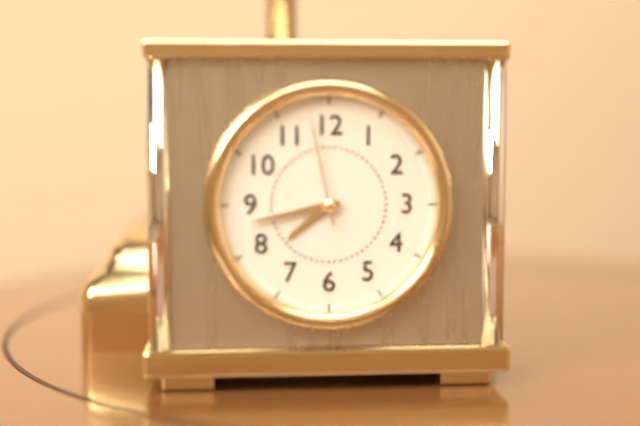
7:43:58
